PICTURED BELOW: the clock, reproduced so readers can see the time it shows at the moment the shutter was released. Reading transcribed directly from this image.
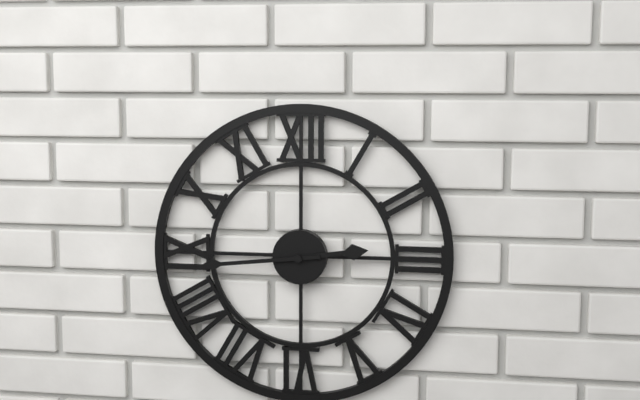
2:44
